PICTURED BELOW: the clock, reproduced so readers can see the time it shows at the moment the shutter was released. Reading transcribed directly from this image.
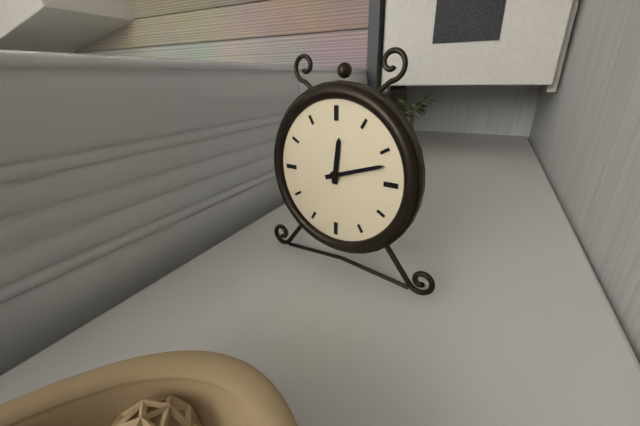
12:12
